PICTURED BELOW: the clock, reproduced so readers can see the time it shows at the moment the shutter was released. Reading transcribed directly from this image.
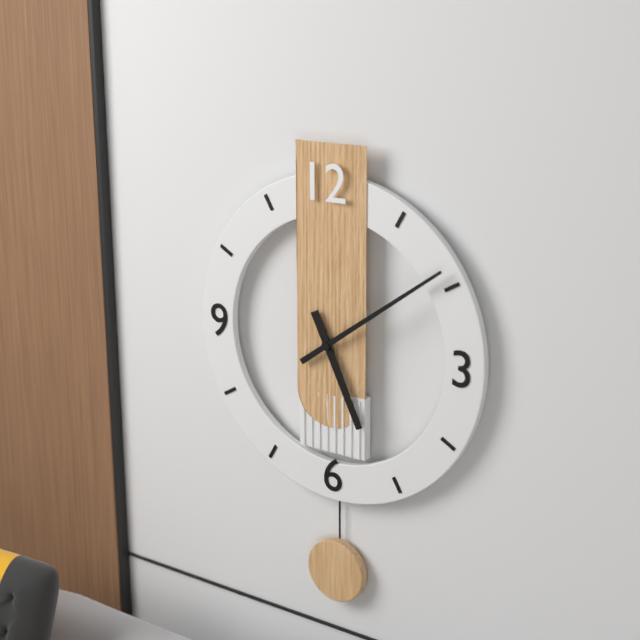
5:09
